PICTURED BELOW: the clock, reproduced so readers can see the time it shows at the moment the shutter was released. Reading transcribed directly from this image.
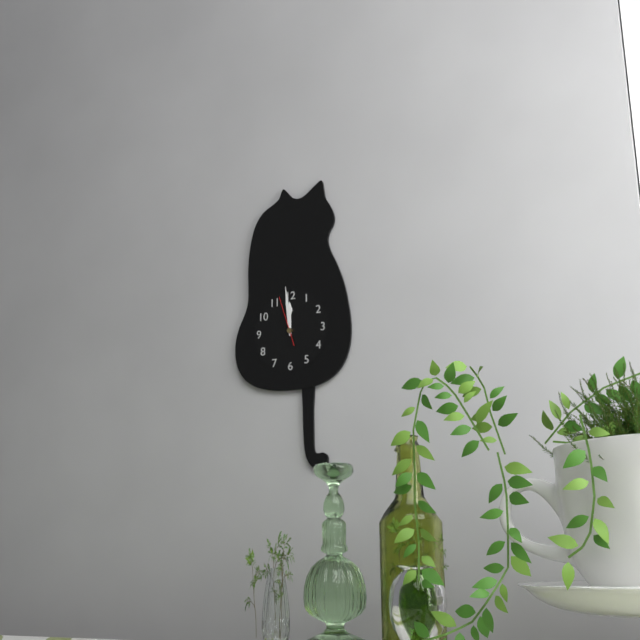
11:59
